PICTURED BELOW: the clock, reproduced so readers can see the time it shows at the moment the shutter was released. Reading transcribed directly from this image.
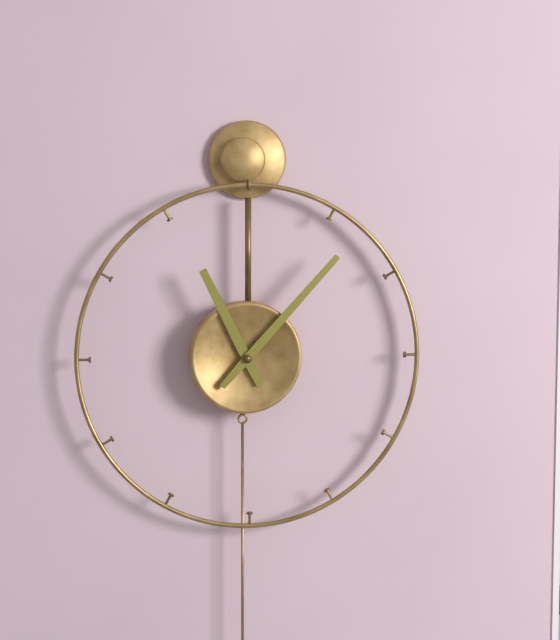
11:07
